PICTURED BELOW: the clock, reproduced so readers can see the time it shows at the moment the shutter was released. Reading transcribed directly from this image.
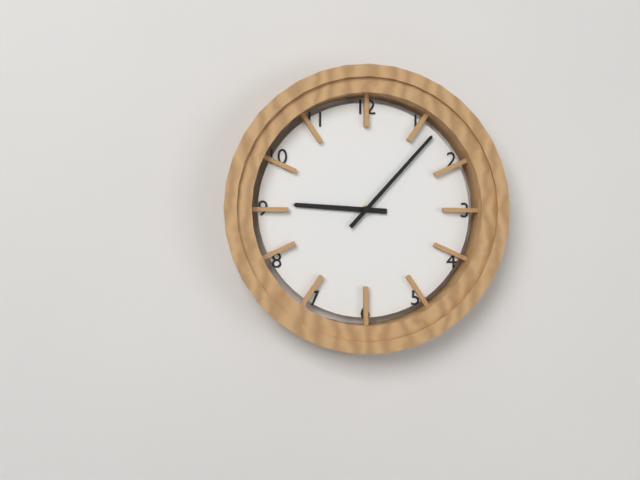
9:07
